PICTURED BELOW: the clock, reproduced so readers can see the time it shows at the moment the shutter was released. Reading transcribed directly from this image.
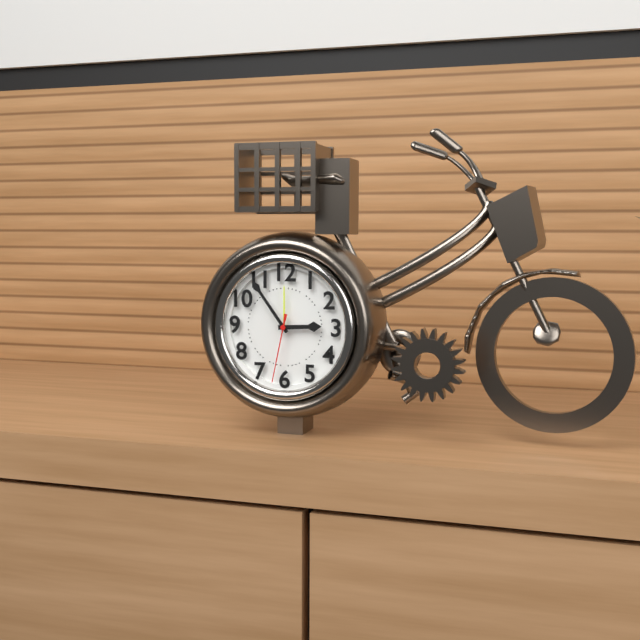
2:54:32
